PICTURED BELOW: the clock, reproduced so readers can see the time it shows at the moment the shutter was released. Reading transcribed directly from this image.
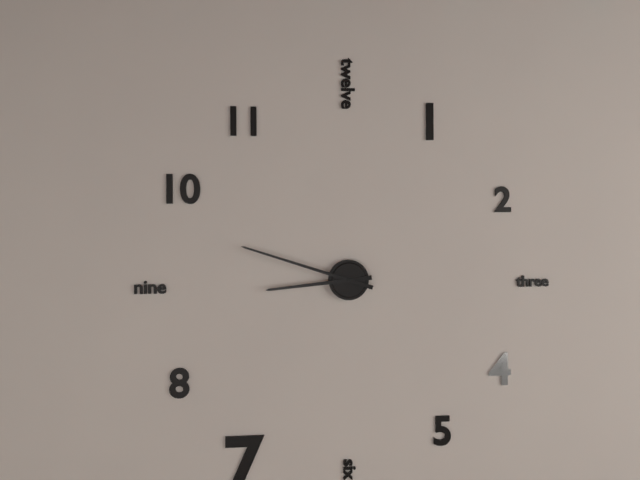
8:48
